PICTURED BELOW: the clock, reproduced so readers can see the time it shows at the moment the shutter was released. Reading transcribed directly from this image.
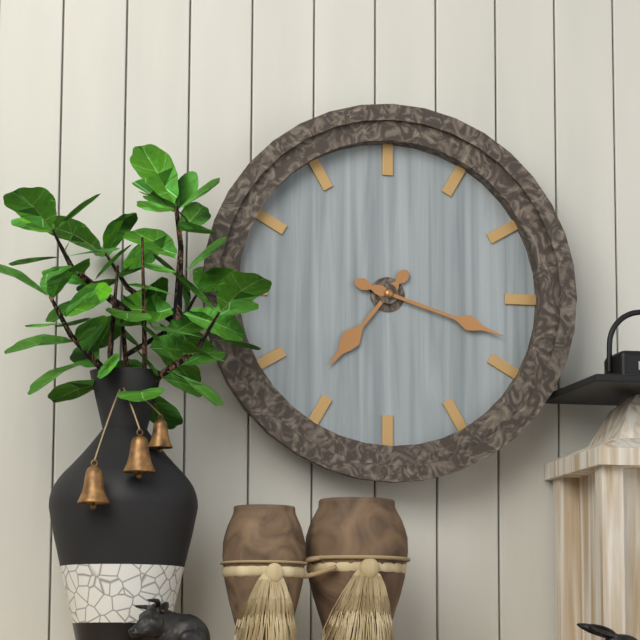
7:18
